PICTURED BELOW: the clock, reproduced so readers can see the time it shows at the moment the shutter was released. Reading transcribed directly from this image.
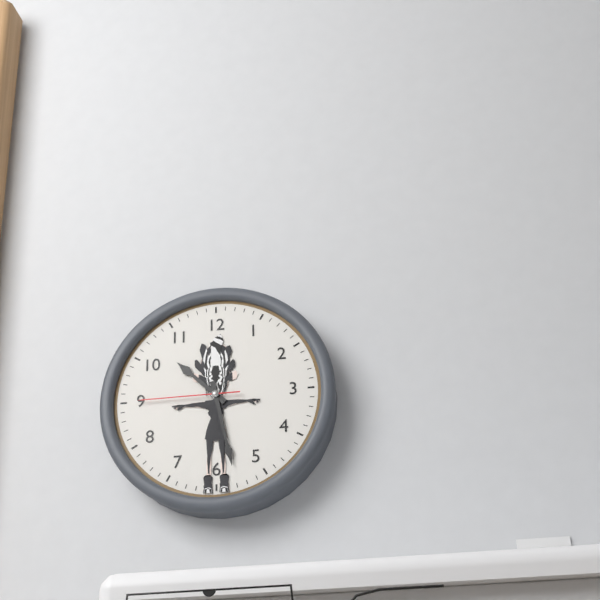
10:28:45
